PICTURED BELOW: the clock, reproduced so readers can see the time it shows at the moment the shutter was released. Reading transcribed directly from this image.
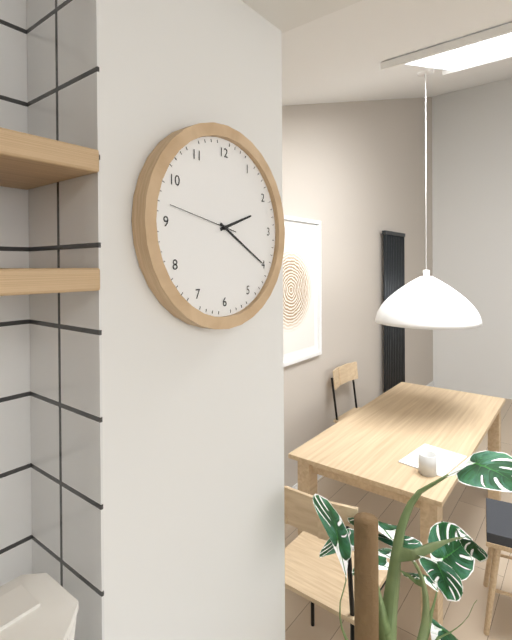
2:20:47
